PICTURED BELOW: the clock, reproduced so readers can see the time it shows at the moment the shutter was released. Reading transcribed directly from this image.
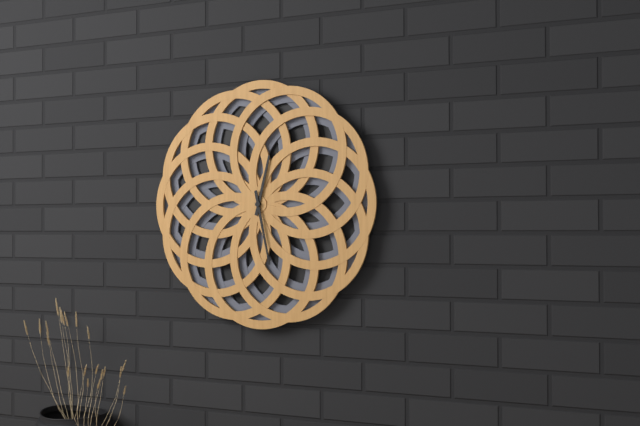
12:28
